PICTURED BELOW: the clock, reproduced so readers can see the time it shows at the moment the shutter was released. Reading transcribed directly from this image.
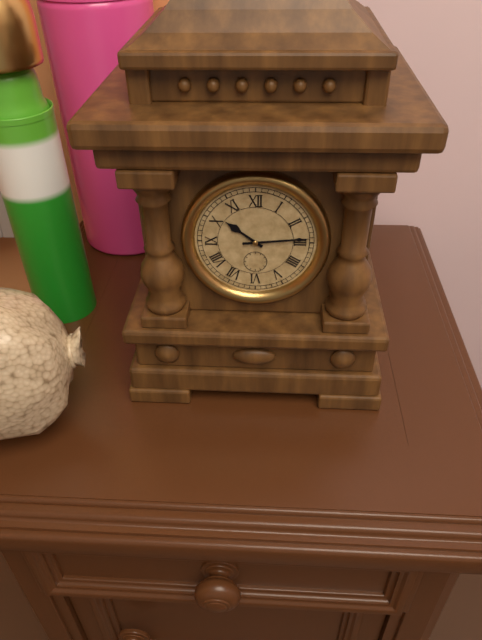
10:14
